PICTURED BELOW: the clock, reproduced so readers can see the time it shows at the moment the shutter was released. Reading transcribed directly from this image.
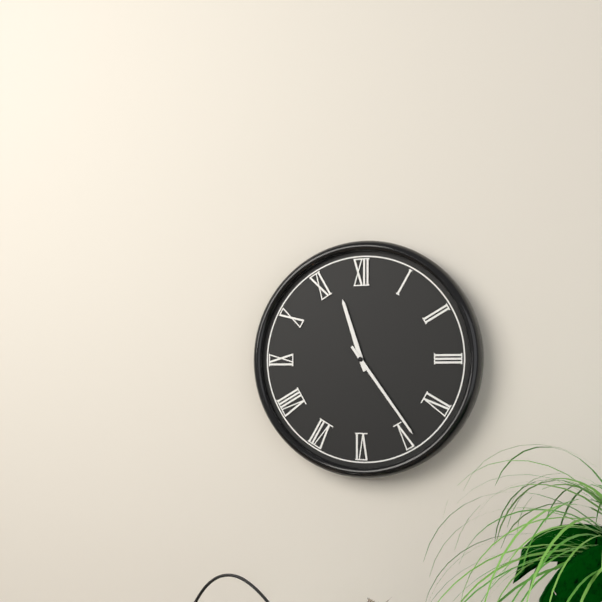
11:24
